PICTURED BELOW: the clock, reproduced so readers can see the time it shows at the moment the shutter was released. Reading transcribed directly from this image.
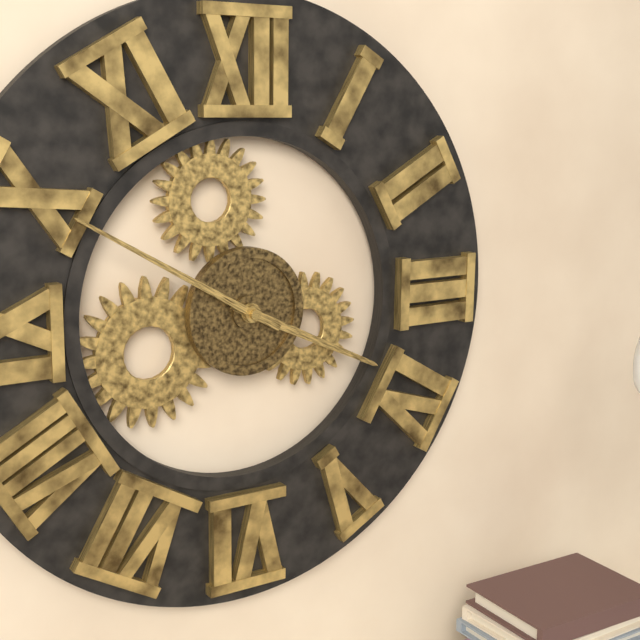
3:50
